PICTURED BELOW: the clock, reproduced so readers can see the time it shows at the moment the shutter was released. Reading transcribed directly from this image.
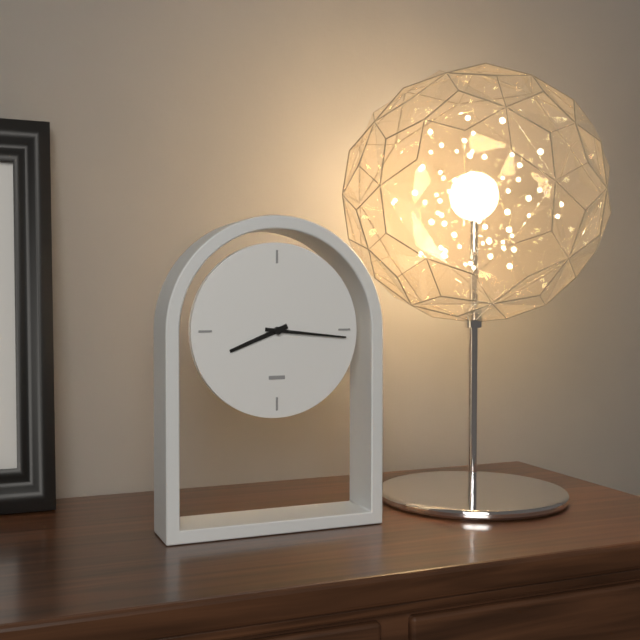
8:16
